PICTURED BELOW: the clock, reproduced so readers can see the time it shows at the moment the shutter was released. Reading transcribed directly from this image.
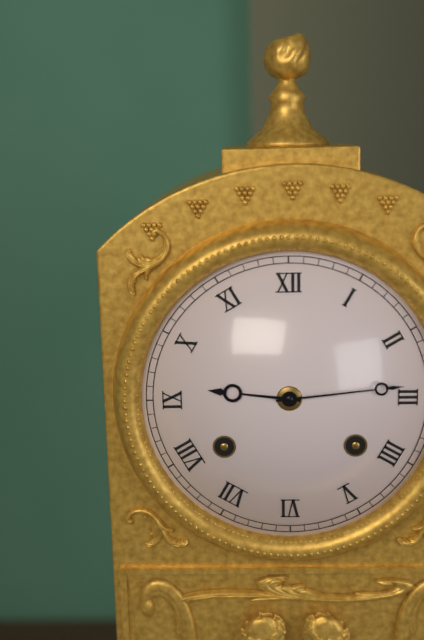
9:14
